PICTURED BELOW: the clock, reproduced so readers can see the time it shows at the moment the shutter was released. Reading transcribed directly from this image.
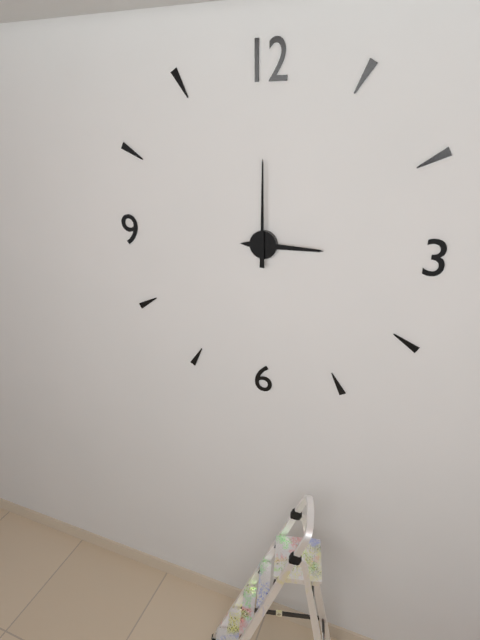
3:00
